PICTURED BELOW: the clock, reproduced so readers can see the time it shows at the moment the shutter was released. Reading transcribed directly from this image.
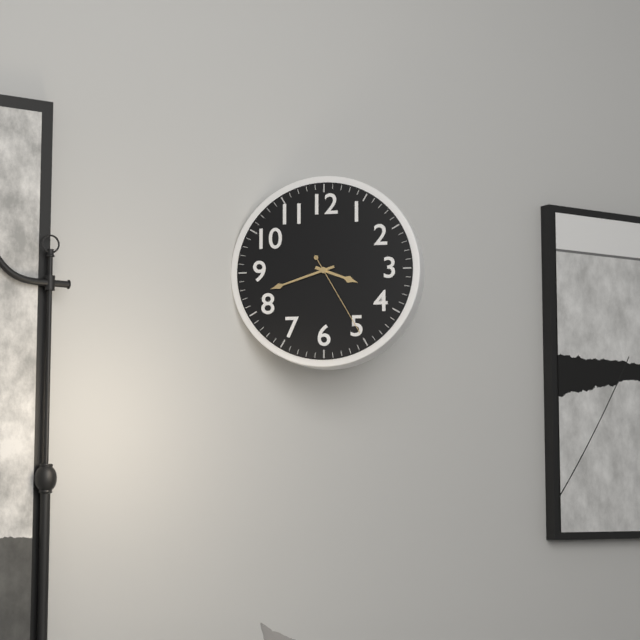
3:42:25
